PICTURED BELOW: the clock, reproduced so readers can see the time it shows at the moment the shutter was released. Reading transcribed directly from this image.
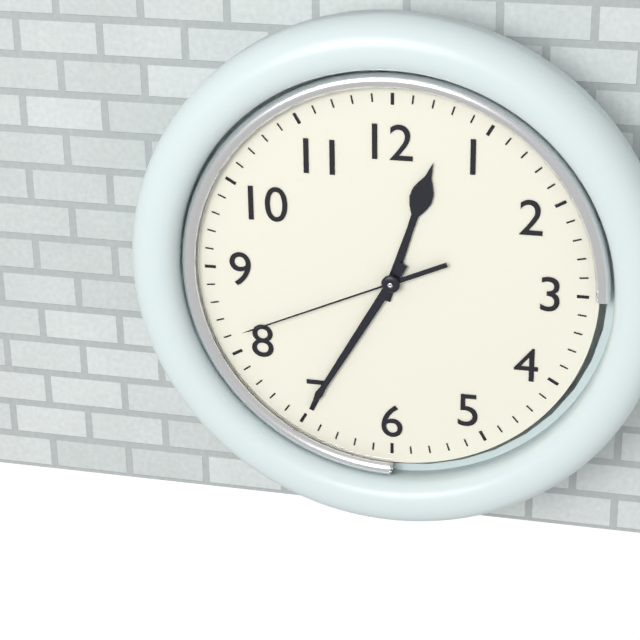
12:35:41
